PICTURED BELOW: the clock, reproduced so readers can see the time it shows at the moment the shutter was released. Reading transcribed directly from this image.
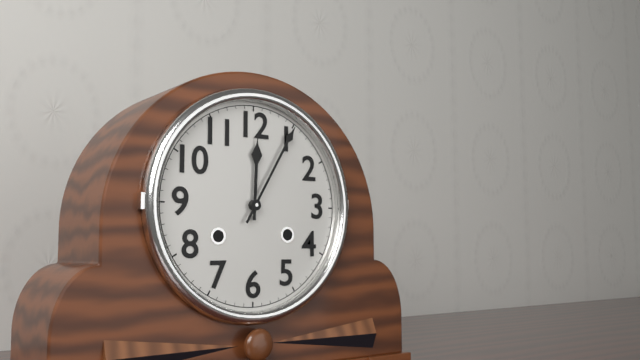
12:05
